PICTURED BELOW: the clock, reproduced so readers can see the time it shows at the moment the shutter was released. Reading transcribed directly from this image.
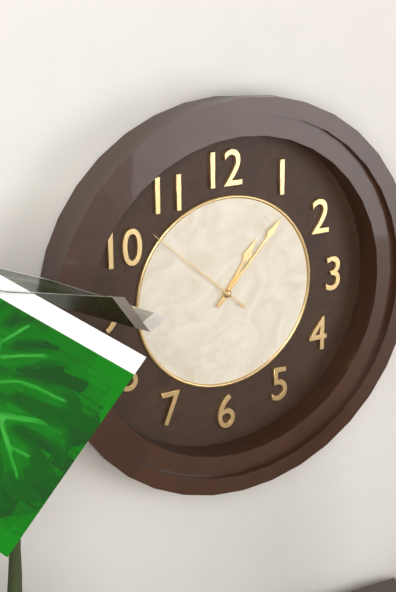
1:07:52
